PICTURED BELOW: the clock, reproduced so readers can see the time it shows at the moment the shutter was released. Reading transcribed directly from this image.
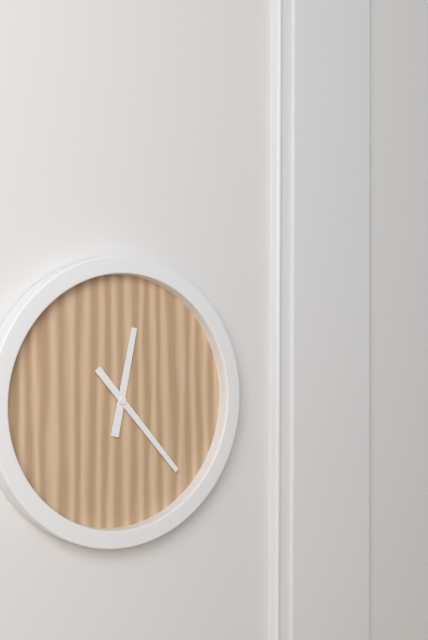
12:23
